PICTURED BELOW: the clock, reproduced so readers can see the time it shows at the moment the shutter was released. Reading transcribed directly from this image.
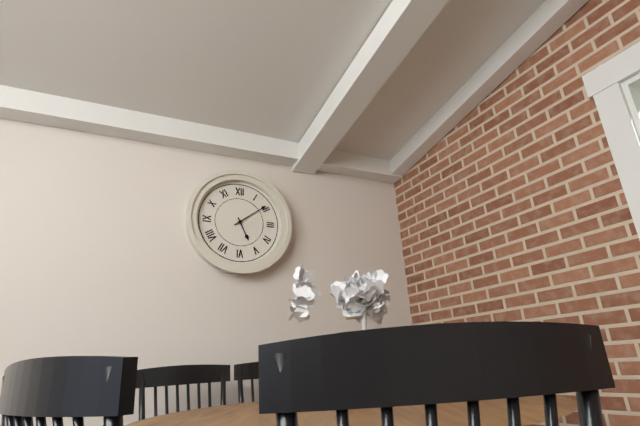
5:09
